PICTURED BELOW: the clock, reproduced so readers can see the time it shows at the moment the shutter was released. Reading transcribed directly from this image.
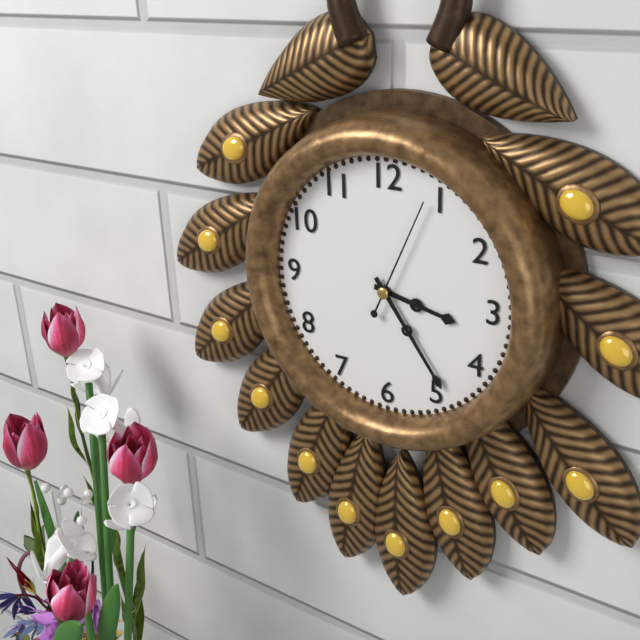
3:24:04
